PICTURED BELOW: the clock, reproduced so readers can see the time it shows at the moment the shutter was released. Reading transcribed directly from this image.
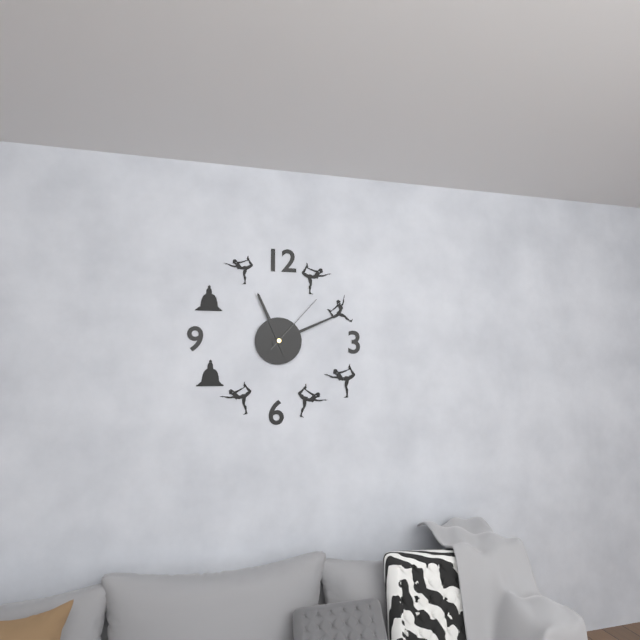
11:11:07
